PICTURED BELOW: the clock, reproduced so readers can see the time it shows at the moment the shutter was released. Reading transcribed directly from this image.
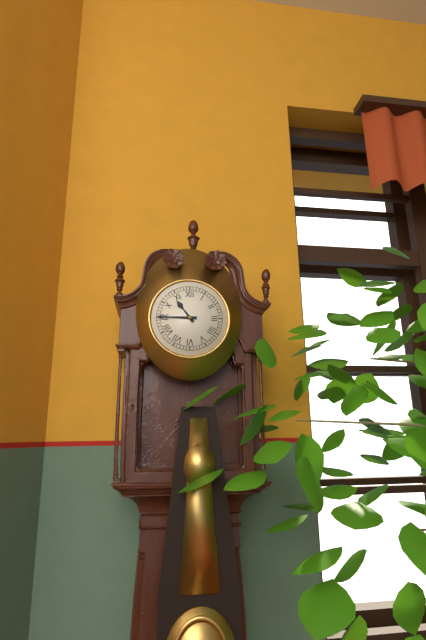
10:45
